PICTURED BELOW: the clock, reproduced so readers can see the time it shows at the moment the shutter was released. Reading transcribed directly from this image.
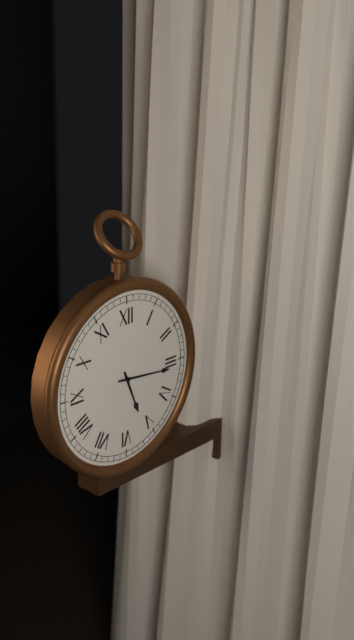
5:16
